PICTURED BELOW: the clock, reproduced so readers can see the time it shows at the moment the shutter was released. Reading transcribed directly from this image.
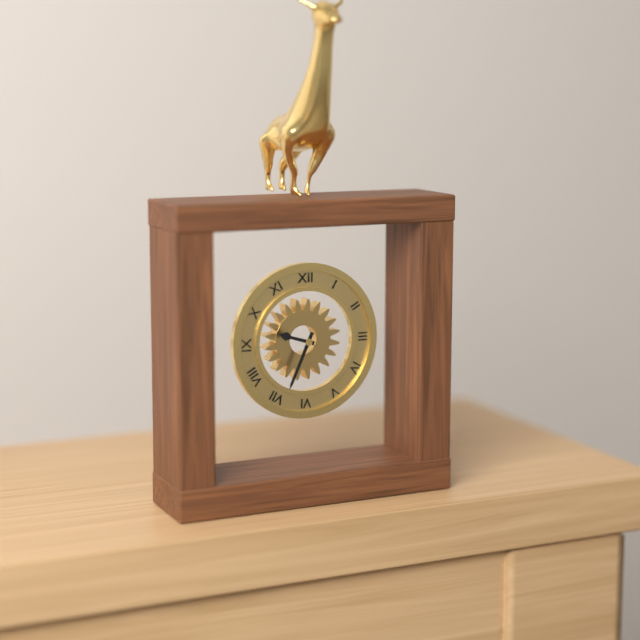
9:34
